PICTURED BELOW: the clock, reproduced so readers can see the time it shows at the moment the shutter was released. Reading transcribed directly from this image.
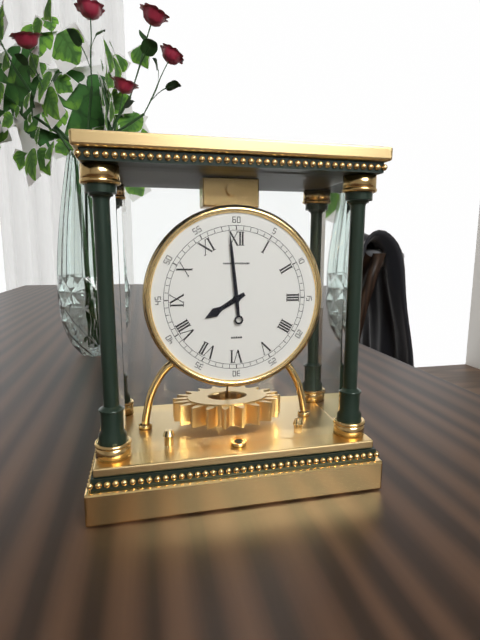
7:59
